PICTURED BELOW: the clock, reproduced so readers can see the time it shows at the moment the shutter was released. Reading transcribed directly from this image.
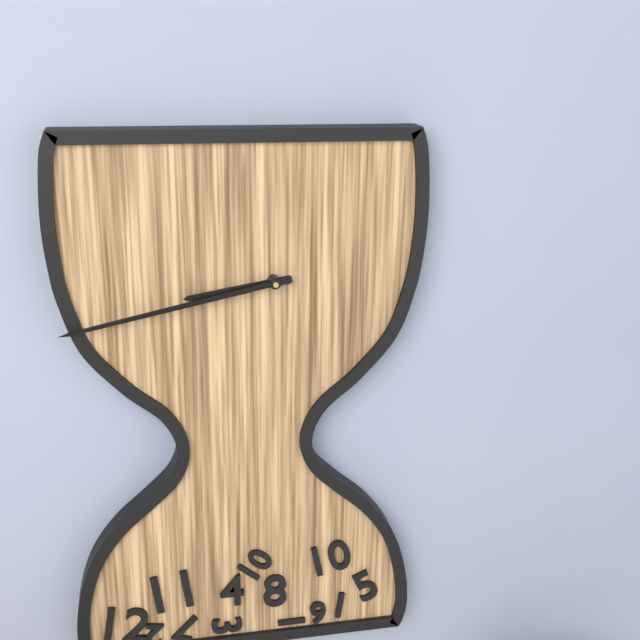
8:43
